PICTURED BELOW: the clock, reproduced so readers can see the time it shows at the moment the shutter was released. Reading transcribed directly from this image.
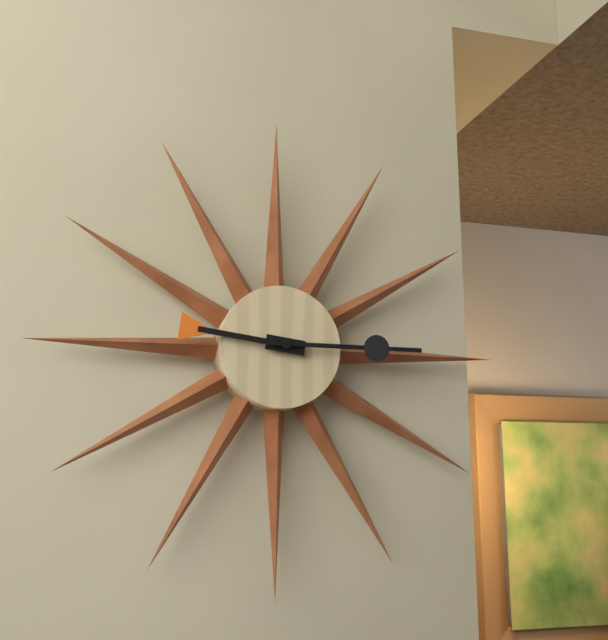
9:15
